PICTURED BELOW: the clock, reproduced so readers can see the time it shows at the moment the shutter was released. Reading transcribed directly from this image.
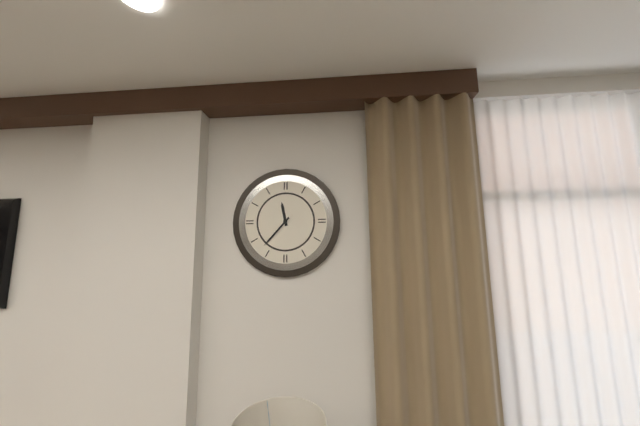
11:37
